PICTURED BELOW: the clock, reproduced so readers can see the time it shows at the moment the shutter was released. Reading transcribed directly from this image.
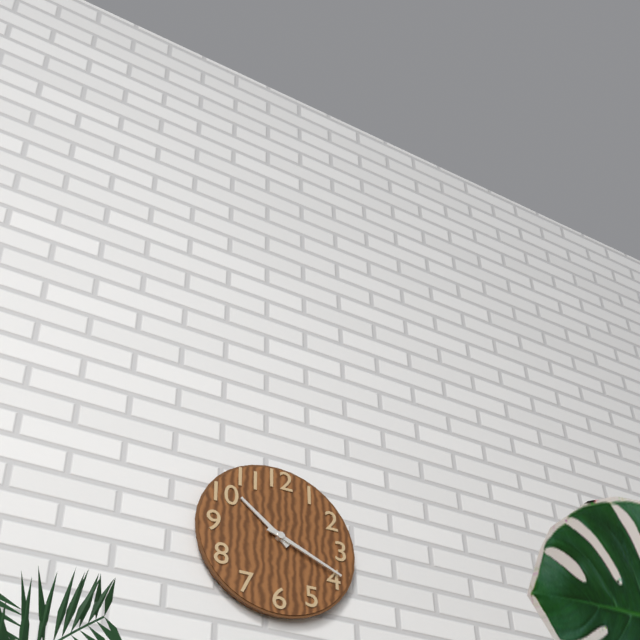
10:19
